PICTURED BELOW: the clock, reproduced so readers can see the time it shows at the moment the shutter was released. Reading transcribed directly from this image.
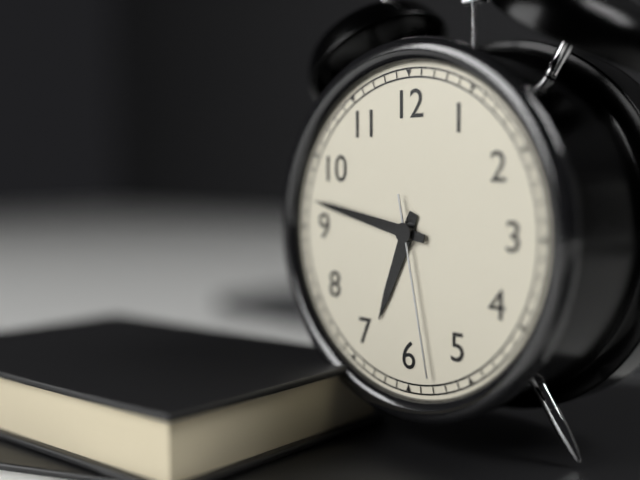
6:47:28
